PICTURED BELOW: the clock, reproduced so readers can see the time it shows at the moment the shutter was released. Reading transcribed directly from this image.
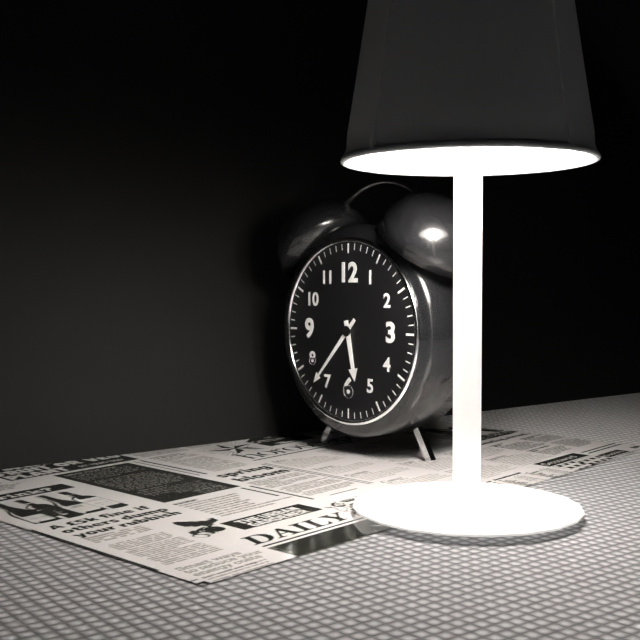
5:37
